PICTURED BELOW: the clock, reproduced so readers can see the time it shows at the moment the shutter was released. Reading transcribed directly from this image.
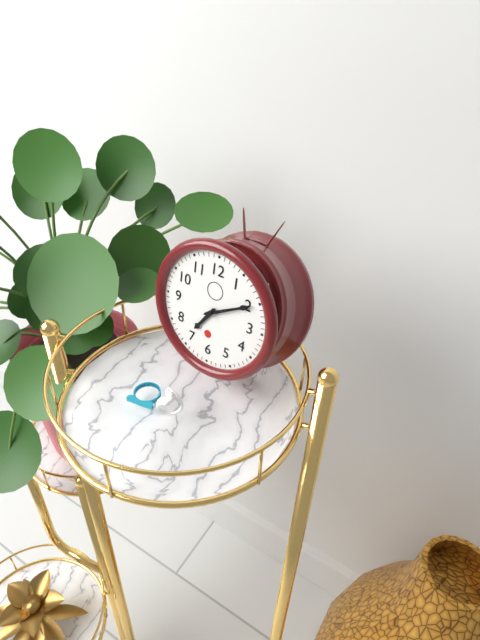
7:10
